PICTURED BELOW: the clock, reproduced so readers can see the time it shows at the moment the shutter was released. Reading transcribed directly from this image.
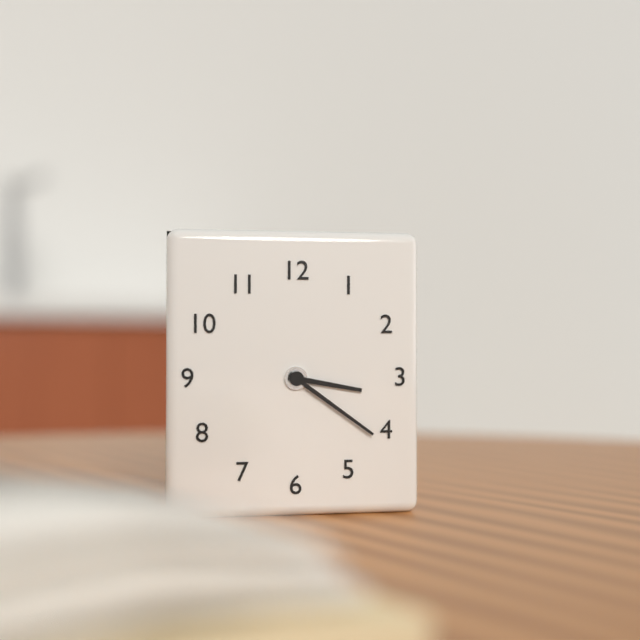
3:21
